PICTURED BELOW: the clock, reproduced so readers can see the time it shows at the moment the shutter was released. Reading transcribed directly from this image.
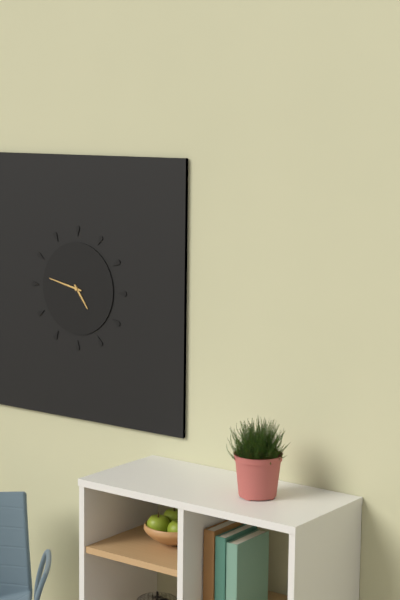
4:47
